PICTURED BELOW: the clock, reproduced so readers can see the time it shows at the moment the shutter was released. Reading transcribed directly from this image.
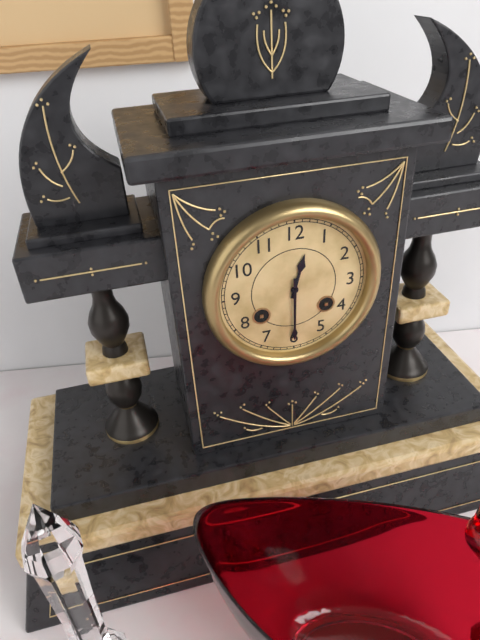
12:30
